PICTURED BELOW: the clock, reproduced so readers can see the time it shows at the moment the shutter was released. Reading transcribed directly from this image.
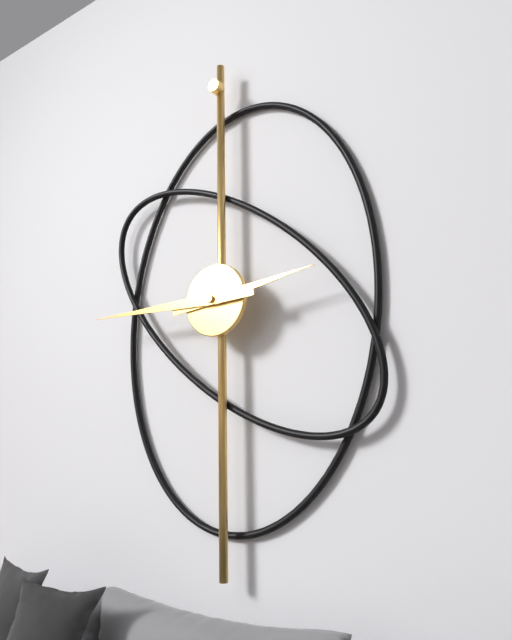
2:45
